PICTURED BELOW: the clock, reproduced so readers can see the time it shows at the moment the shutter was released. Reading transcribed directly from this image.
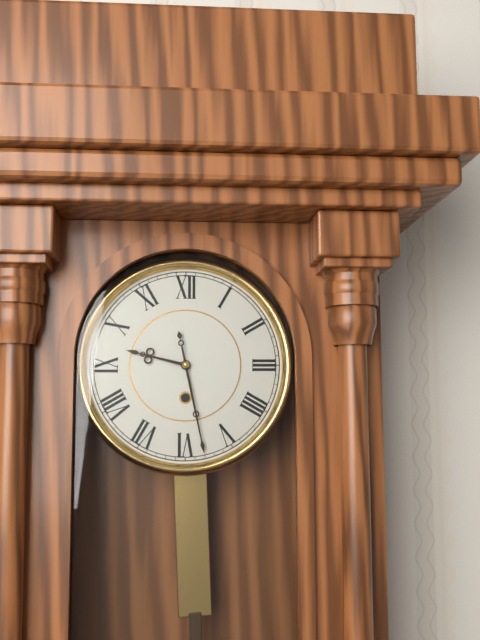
9:28
